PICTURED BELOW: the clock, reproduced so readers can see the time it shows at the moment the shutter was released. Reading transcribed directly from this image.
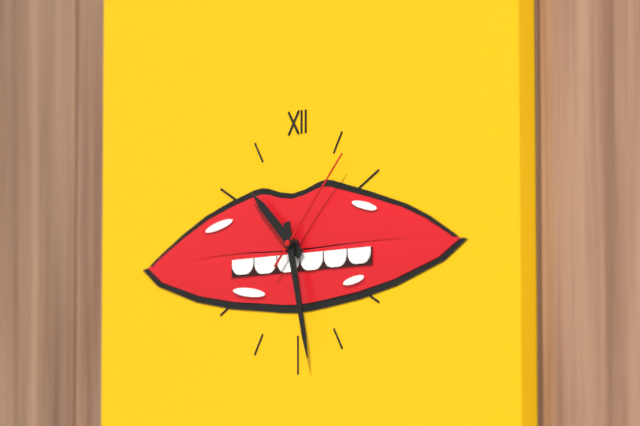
10:28:07
